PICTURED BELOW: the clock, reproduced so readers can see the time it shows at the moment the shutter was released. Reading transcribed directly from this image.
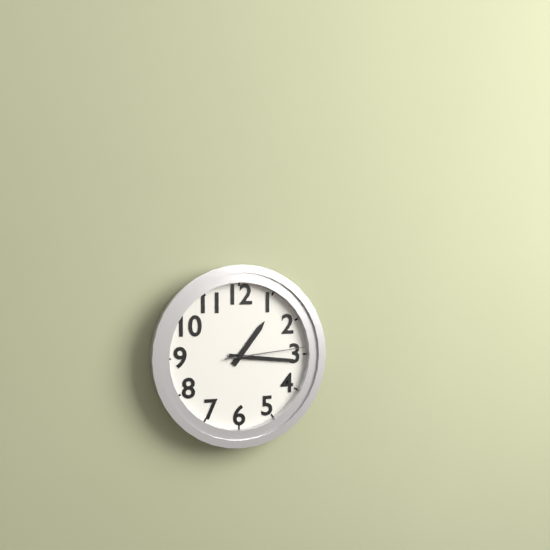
1:16:14
